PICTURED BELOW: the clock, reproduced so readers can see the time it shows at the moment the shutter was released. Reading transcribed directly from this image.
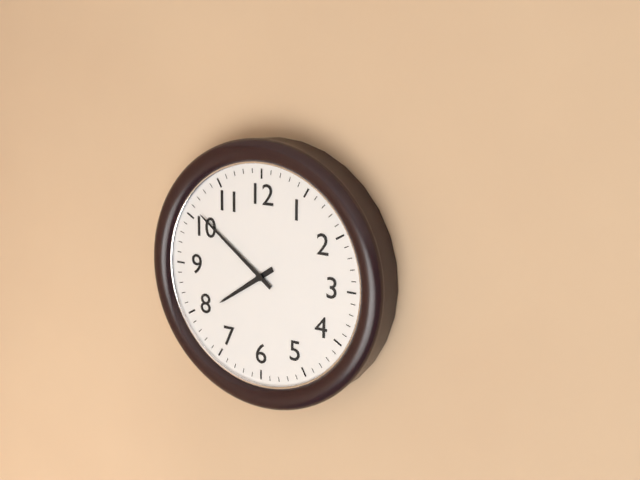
7:51
